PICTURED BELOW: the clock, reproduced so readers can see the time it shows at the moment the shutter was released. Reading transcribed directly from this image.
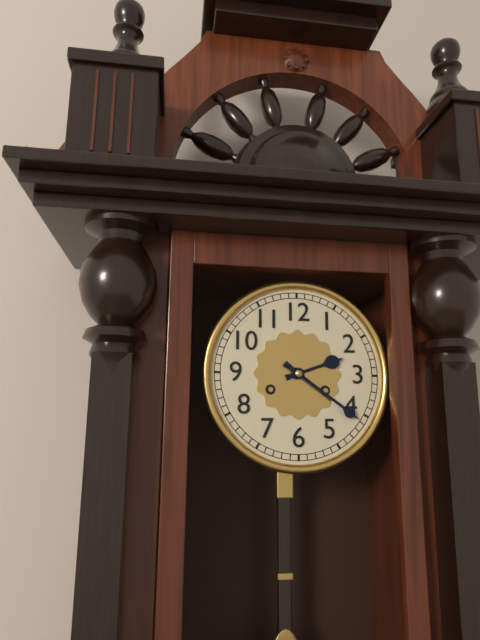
2:21
